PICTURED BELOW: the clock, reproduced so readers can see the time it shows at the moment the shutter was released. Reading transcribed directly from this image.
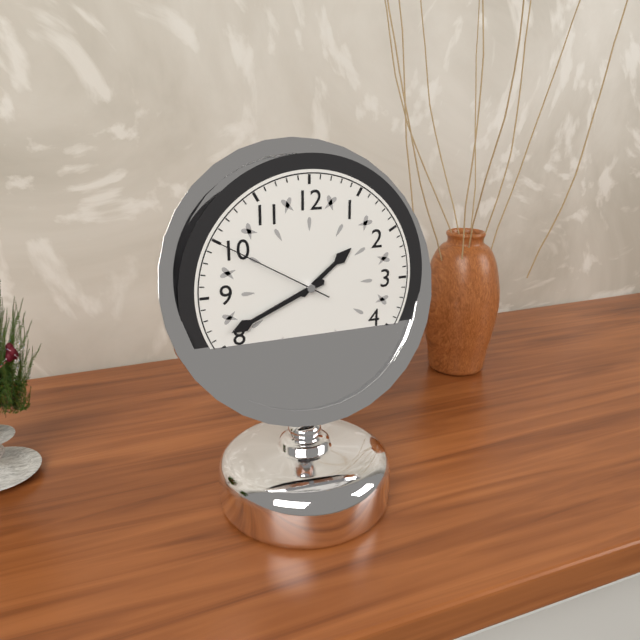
1:41:50
